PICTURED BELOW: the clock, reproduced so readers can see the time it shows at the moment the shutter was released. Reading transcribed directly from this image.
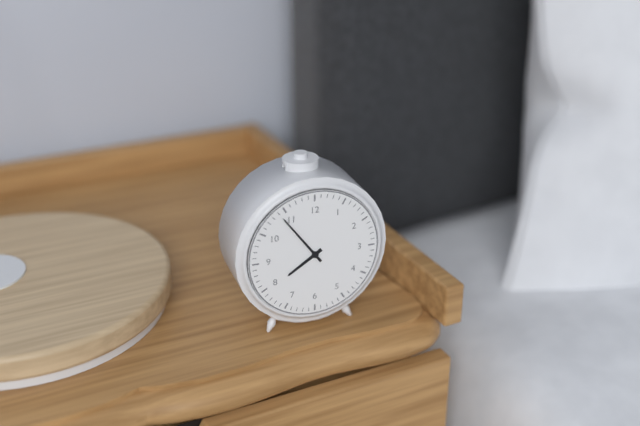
7:54
